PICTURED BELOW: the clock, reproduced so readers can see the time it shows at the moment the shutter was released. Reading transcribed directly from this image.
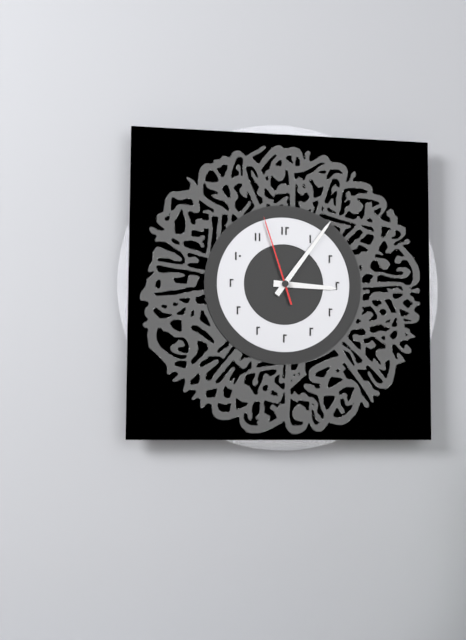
3:06:57
